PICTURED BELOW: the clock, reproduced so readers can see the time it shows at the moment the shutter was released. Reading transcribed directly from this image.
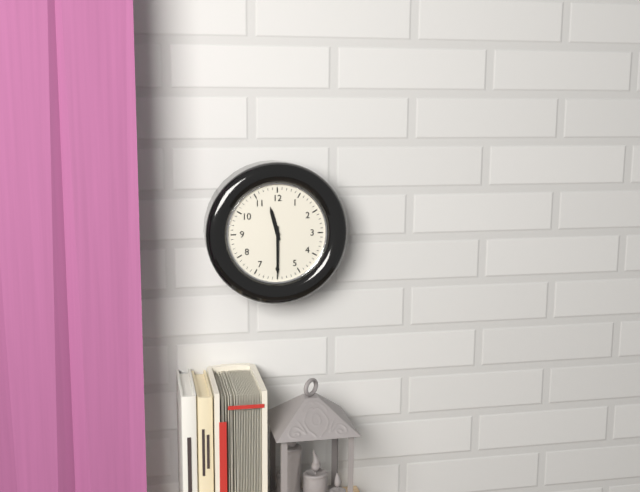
11:30
